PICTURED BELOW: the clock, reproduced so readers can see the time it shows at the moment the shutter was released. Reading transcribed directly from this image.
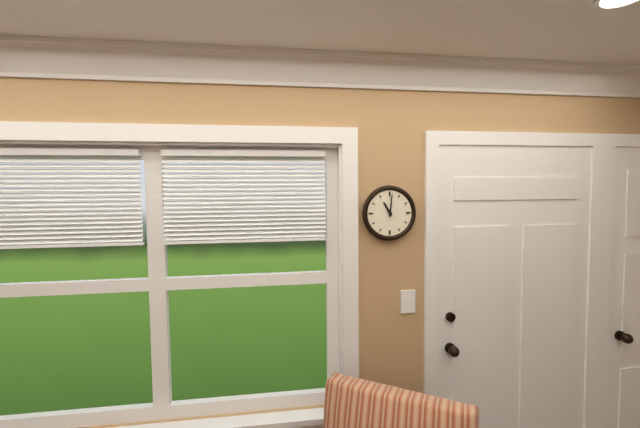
11:01
